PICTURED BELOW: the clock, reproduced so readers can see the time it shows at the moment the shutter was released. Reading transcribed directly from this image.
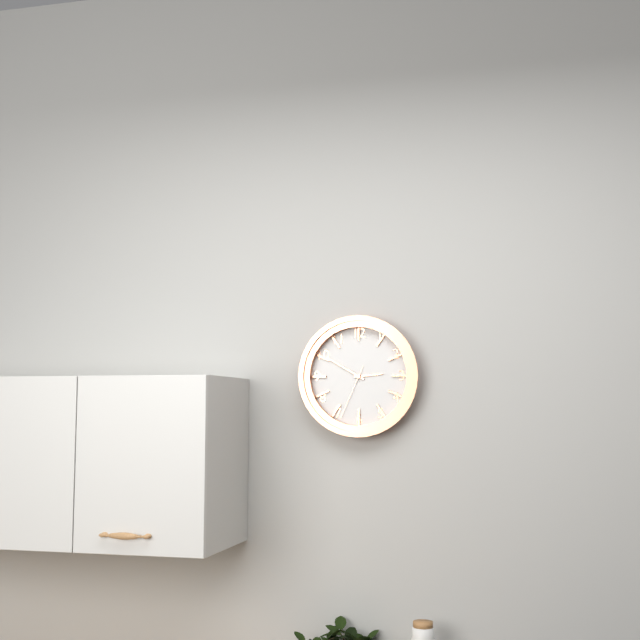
2:50:34
